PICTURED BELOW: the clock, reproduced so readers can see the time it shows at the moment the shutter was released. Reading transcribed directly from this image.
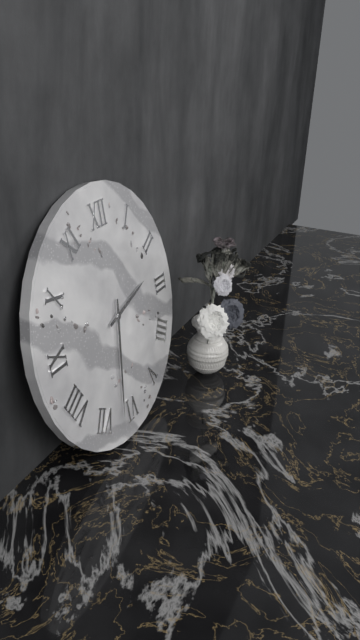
2:32
